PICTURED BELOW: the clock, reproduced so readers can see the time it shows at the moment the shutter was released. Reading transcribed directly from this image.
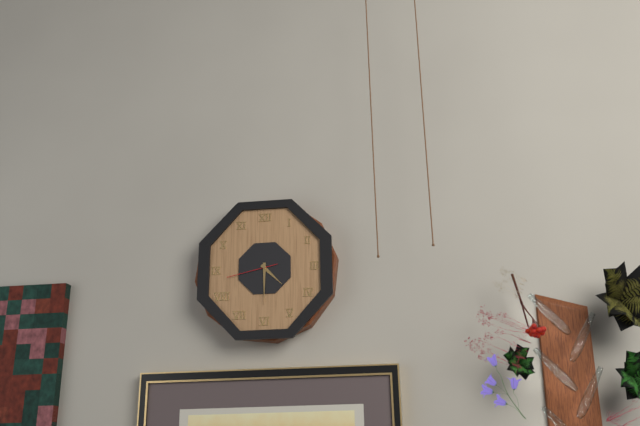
4:30:43
